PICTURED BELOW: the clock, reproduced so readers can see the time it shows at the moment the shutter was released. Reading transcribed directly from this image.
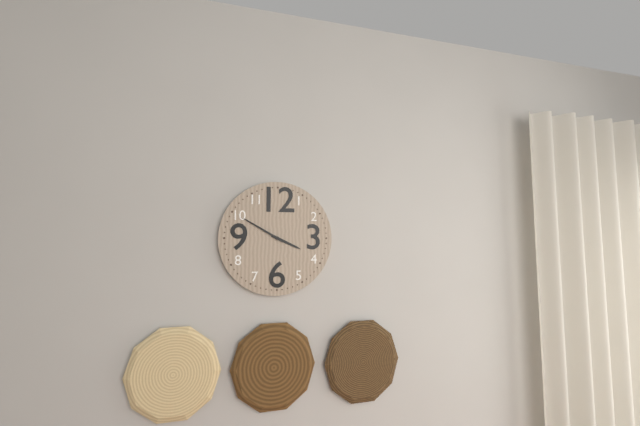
3:50
